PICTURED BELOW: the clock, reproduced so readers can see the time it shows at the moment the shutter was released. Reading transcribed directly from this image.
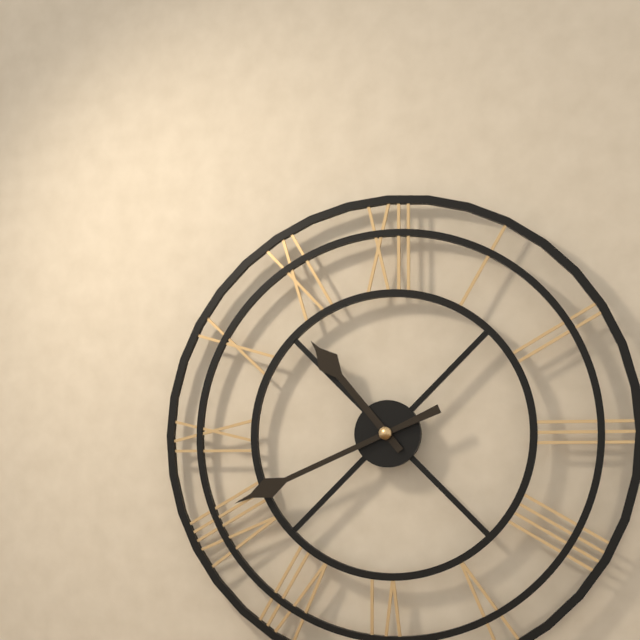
10:41
